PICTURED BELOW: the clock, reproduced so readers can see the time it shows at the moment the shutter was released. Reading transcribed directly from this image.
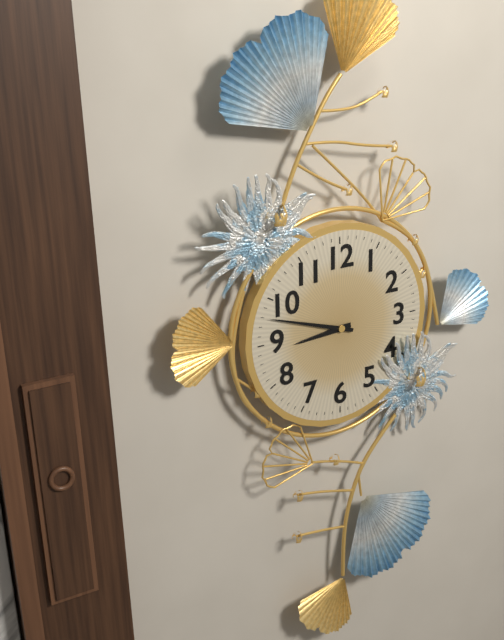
8:48
